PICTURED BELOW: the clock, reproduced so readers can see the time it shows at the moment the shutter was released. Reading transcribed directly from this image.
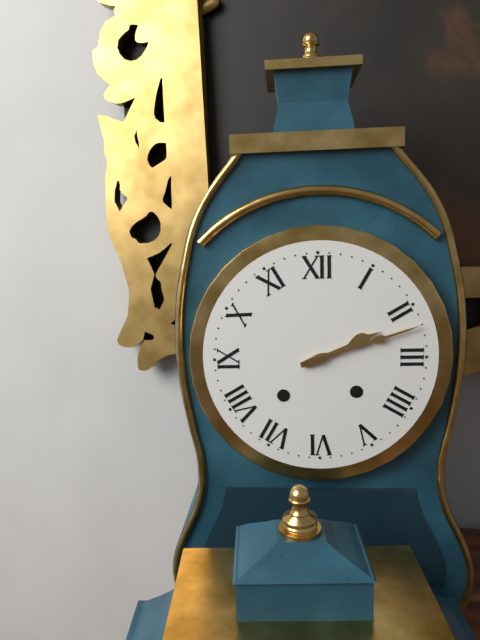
2:12
